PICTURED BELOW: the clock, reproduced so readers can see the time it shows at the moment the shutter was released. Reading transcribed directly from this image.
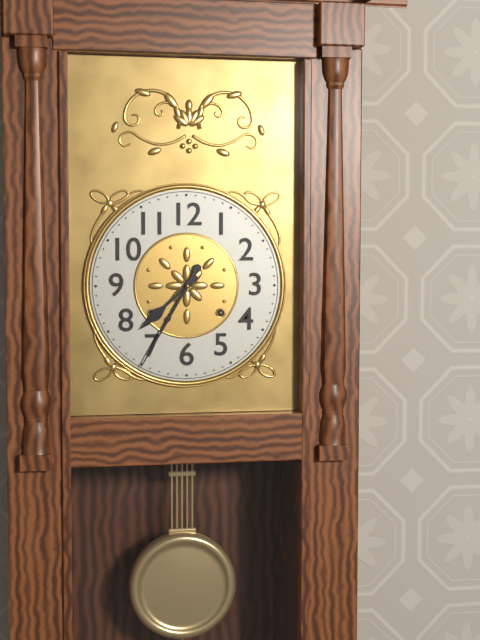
7:35
